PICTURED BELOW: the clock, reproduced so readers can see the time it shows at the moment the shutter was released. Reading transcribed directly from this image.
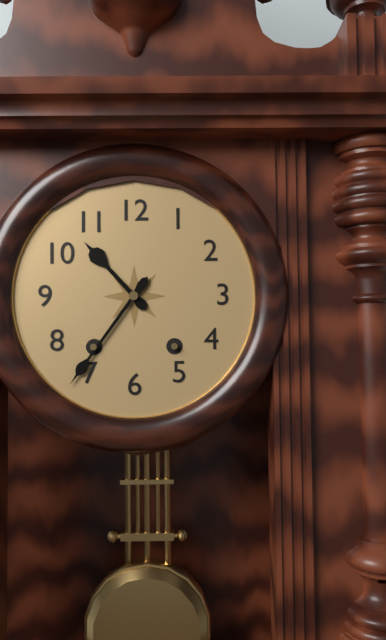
10:36
